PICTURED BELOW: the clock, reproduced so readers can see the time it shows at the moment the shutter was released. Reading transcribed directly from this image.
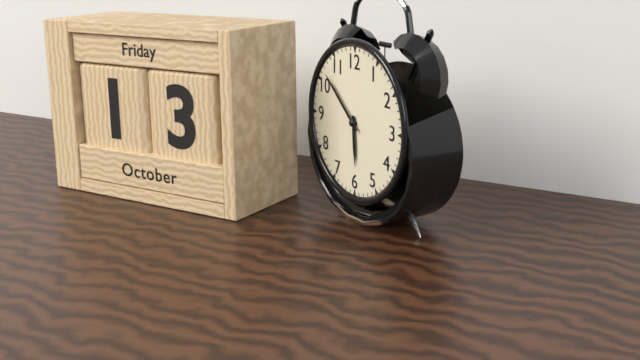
5:52
